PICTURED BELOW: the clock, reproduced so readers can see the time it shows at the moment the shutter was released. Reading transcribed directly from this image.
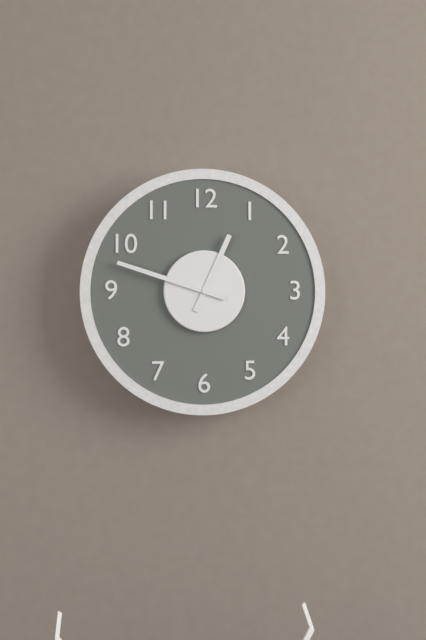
12:48
